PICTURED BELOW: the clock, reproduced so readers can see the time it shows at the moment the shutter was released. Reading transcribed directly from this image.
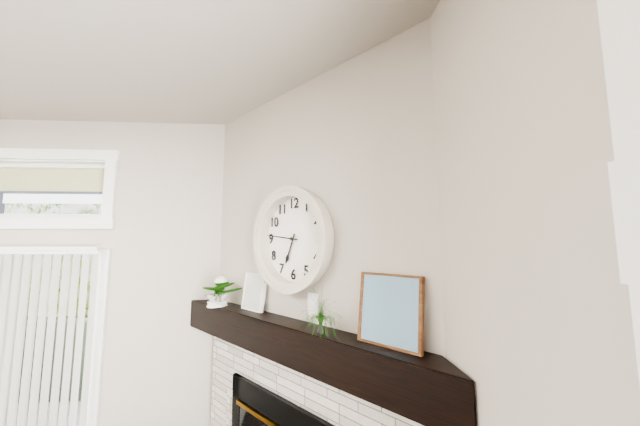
6:46
